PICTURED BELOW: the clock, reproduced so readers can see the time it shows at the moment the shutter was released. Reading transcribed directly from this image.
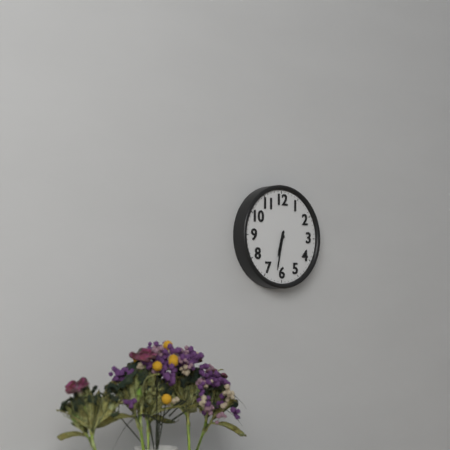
6:32
